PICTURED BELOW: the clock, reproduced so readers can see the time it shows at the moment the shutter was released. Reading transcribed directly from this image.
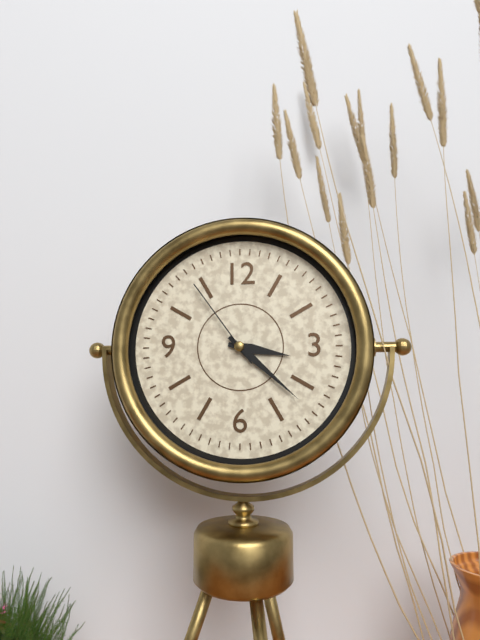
3:22:54
